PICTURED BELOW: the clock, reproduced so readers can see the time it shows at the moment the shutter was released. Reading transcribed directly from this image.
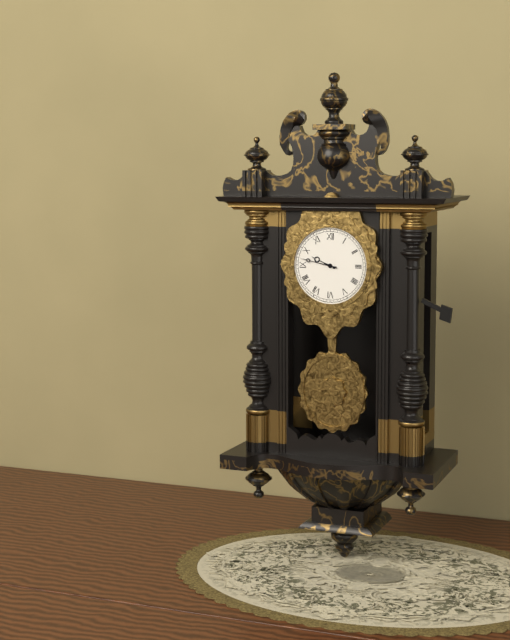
9:47
